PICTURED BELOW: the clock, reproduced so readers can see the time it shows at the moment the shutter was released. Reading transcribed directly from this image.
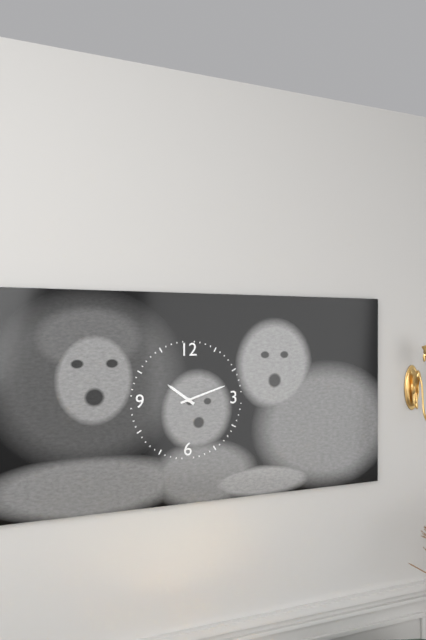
10:12
